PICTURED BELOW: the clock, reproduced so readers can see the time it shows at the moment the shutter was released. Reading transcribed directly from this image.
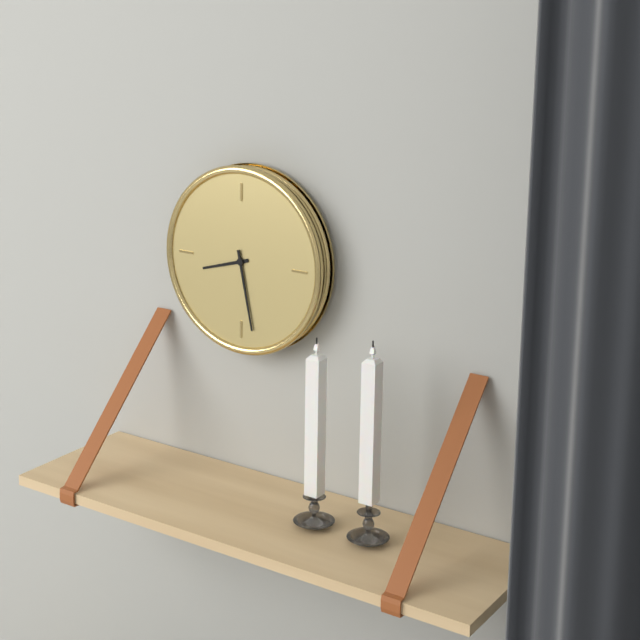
8:28
